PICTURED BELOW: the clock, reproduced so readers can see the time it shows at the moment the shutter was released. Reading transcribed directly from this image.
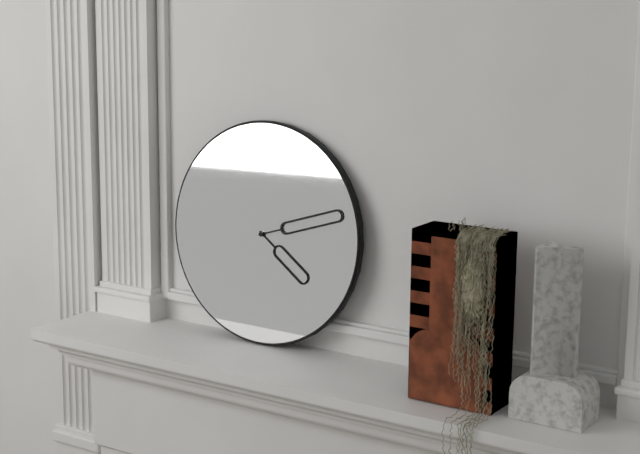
4:12
